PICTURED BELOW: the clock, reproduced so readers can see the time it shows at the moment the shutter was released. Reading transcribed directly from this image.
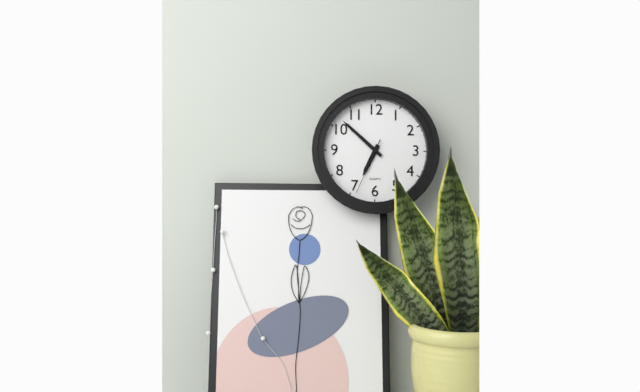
6:52:34
